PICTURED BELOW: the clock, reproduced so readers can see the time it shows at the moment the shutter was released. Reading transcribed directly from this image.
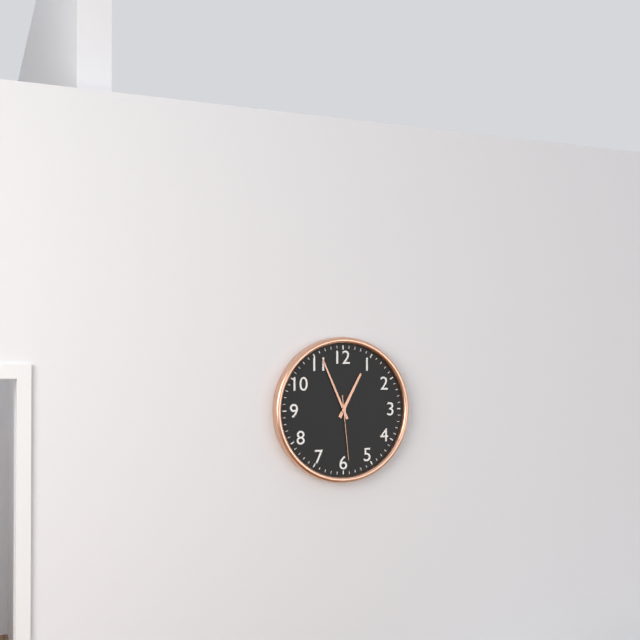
12:56:29
